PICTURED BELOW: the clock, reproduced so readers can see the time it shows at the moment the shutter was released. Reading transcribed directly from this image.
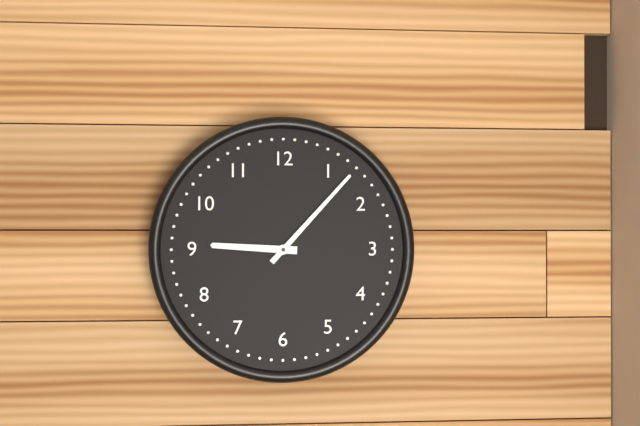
9:07
